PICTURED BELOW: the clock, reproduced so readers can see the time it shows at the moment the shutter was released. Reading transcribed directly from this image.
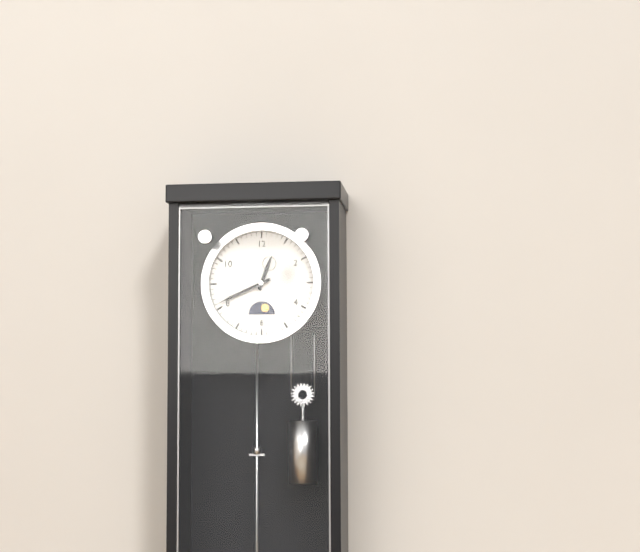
12:41
